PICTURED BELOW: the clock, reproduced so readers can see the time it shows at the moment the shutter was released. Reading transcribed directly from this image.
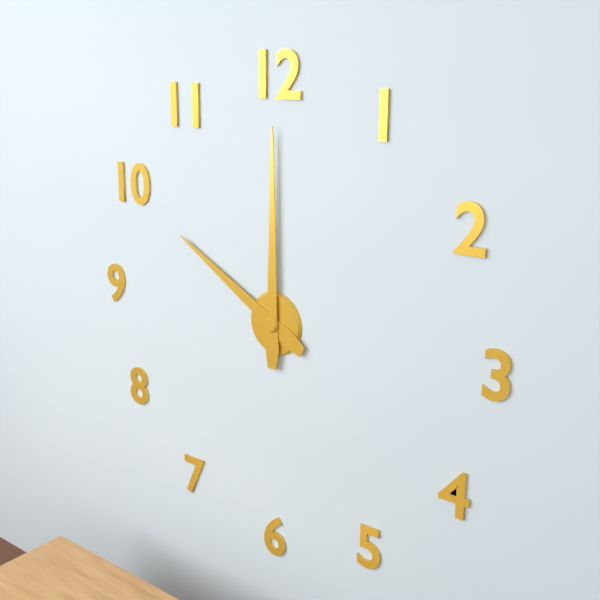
10:00
